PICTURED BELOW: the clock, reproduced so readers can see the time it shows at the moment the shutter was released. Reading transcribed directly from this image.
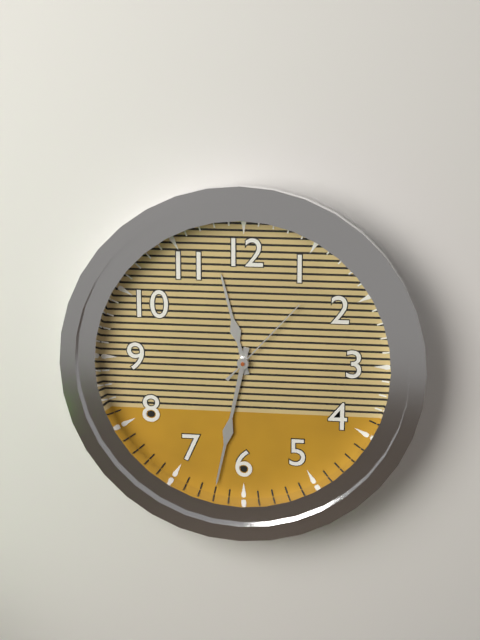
11:32:07
